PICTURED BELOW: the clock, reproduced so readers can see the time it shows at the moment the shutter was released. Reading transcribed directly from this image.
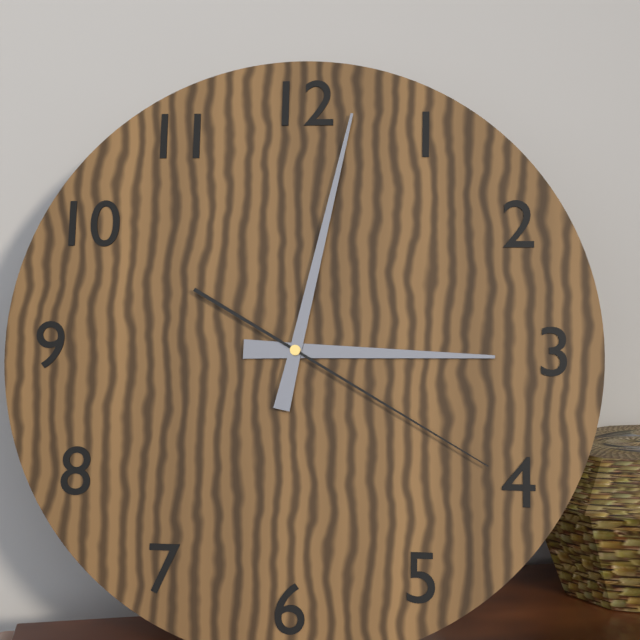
3:02:20
